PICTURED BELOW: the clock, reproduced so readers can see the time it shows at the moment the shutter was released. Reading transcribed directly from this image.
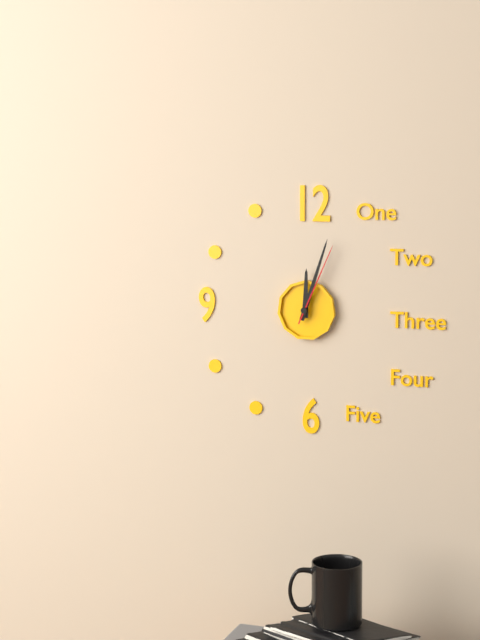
12:03:04
